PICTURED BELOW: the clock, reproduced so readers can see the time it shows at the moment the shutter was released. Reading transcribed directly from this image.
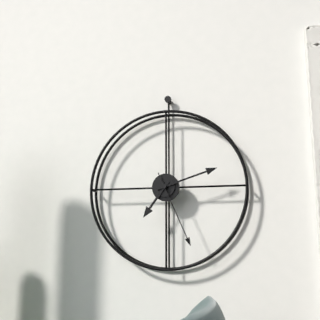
7:12:26
